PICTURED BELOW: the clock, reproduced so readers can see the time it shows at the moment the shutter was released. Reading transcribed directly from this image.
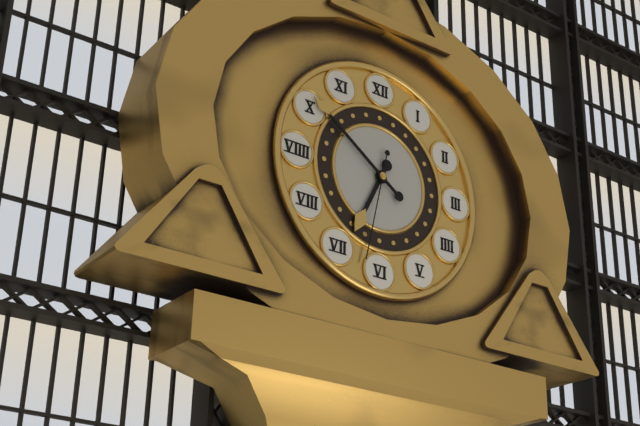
6:51:32
